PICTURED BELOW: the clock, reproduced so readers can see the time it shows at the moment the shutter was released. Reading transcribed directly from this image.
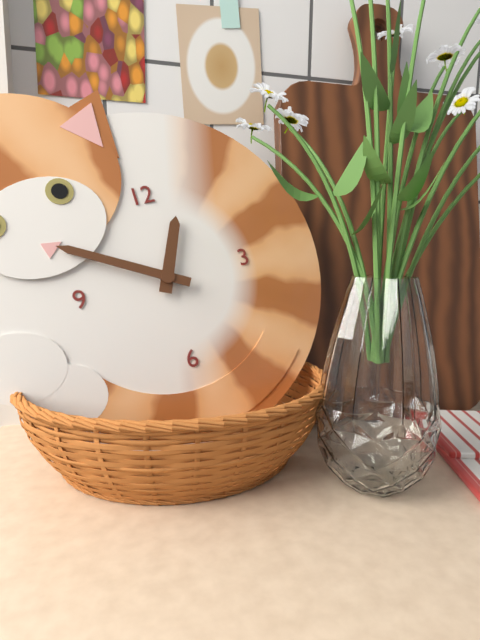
12:50
